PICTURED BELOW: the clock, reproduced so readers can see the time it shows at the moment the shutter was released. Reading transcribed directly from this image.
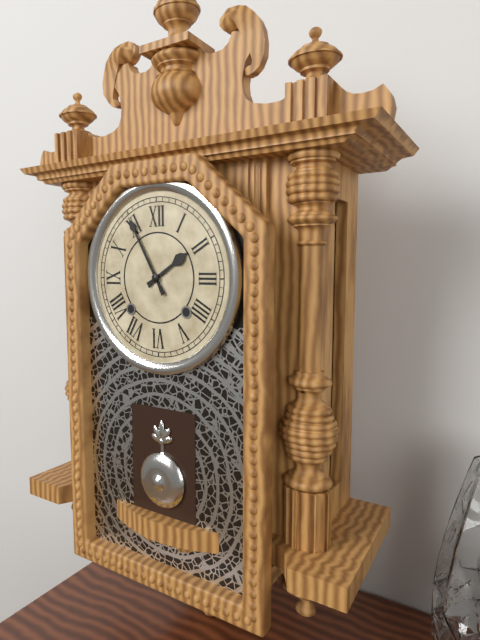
1:55
